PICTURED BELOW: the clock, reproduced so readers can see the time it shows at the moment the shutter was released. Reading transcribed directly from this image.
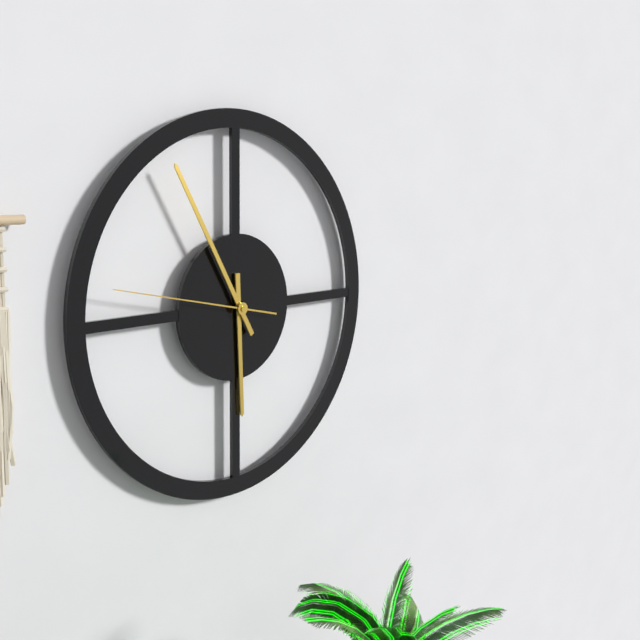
5:55:47
